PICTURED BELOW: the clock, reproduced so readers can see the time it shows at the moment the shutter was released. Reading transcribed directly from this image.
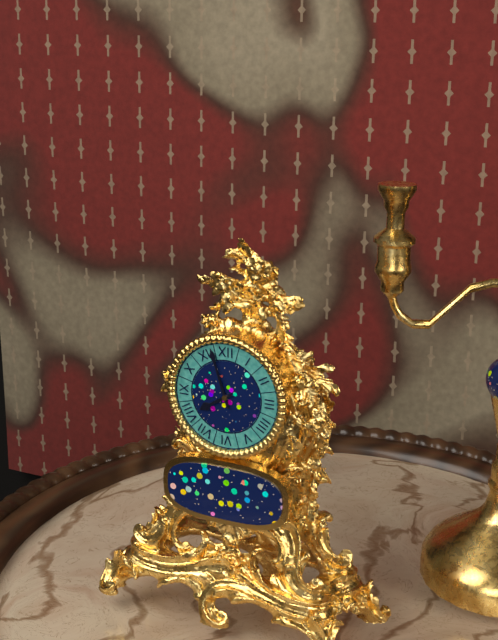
7:57
